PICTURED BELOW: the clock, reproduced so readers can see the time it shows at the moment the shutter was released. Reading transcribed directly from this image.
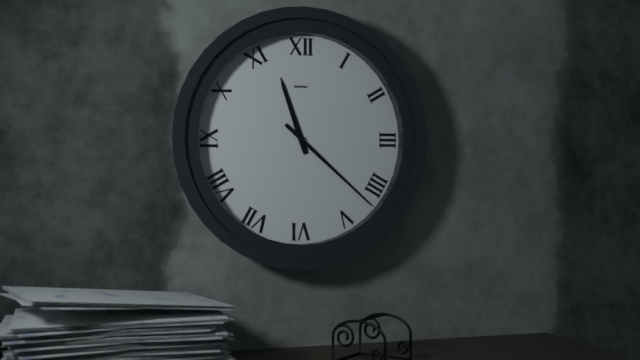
11:22
